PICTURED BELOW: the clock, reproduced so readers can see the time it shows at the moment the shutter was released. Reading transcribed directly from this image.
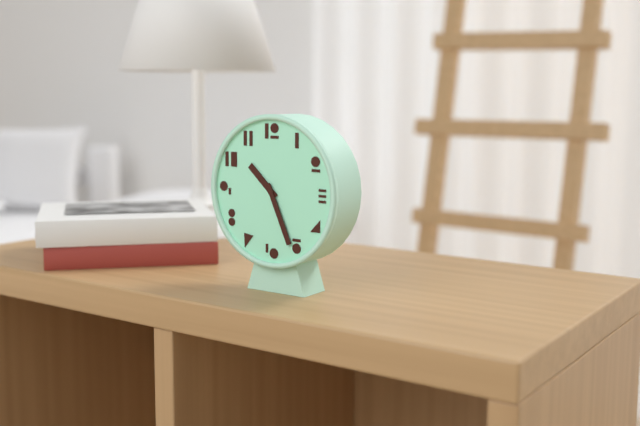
10:26
